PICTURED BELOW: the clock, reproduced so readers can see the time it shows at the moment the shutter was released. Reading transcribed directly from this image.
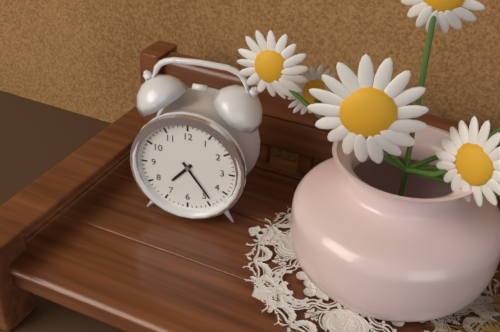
7:24
